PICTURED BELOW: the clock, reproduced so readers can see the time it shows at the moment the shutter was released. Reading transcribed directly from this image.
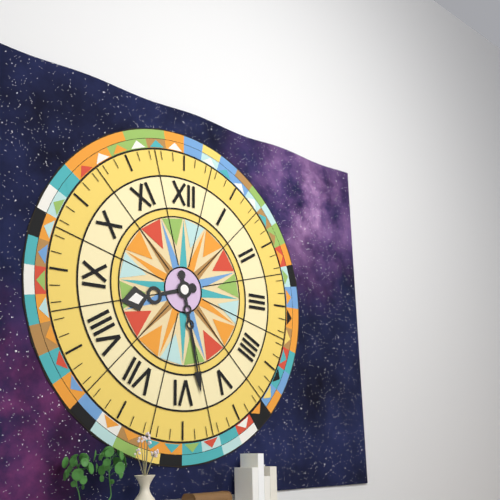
8:28
